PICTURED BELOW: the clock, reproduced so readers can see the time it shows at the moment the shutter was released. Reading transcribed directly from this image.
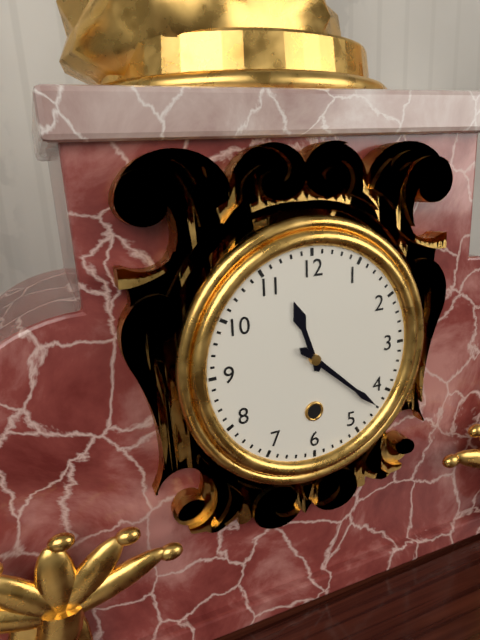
11:22
